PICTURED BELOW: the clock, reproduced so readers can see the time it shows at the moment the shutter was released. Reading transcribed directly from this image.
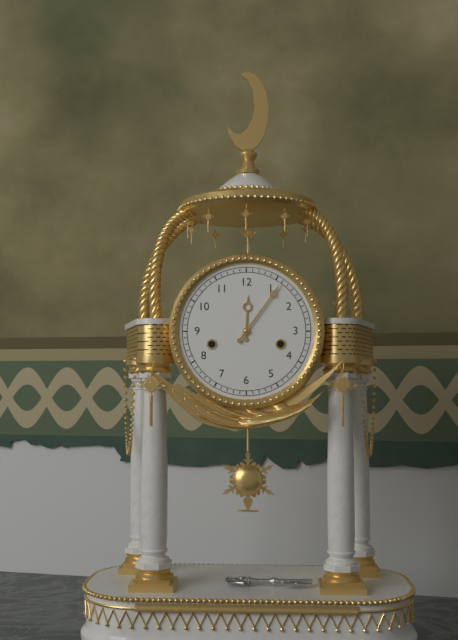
12:06
